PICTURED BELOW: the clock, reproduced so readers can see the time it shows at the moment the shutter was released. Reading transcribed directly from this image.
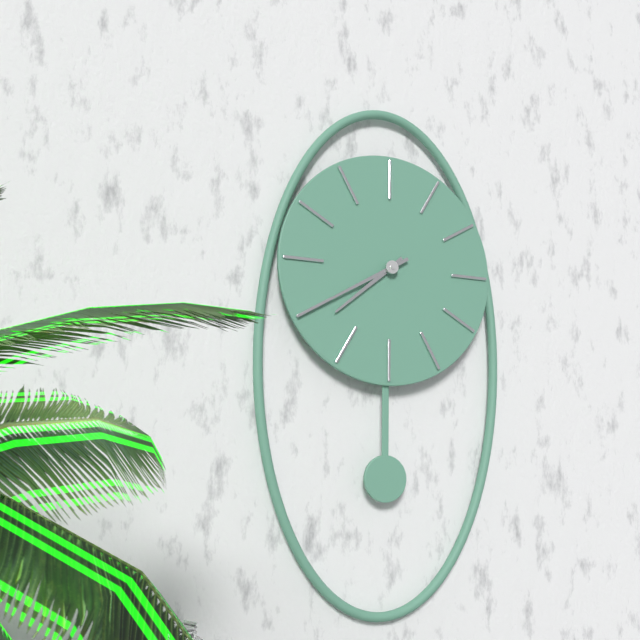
7:40
